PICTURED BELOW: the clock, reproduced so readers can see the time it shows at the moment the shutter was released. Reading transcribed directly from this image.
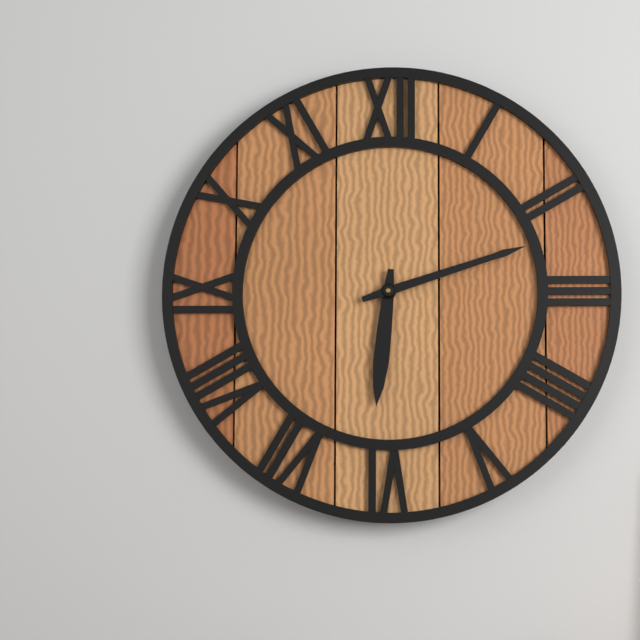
6:12
